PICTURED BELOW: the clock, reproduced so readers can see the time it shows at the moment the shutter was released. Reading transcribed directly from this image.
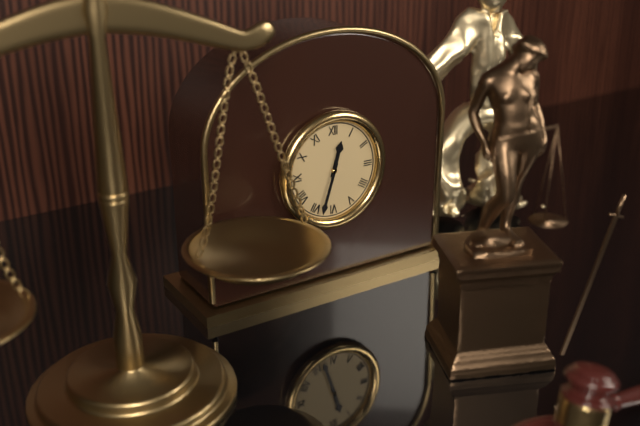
12:33
